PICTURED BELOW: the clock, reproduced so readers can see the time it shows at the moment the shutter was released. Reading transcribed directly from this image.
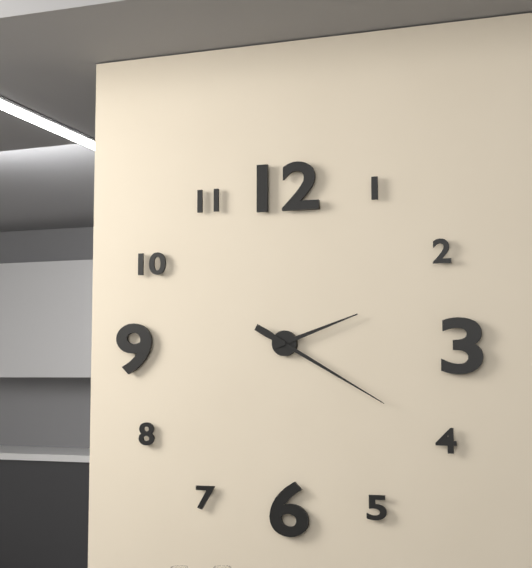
2:20
